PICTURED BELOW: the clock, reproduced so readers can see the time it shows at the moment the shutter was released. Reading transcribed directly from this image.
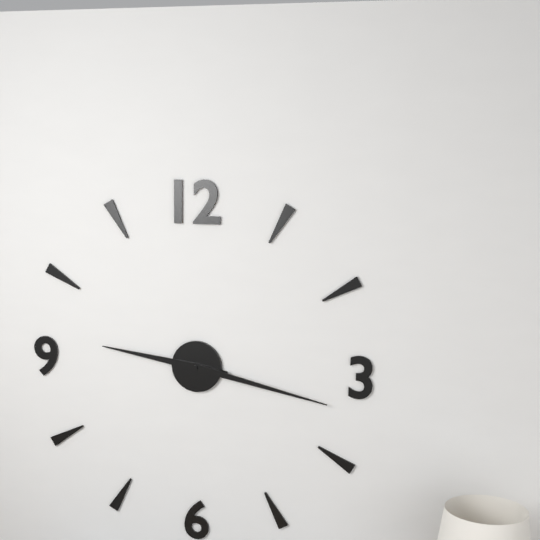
9:17
